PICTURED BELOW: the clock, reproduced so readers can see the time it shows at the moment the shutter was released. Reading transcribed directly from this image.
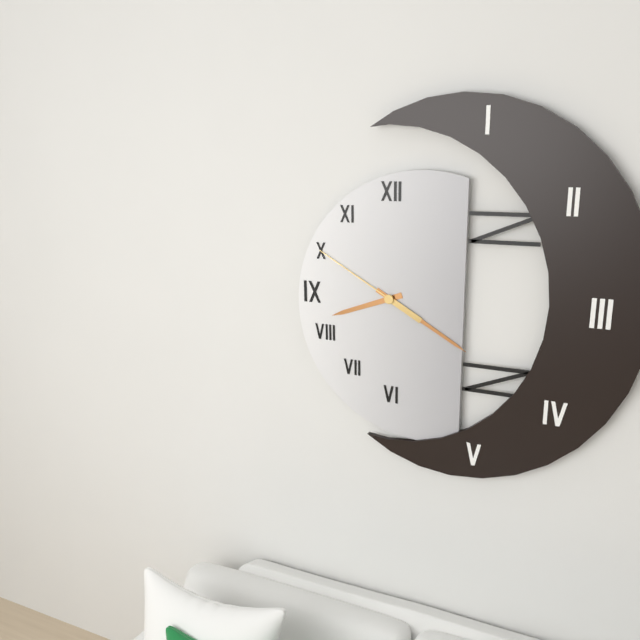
8:20:50
